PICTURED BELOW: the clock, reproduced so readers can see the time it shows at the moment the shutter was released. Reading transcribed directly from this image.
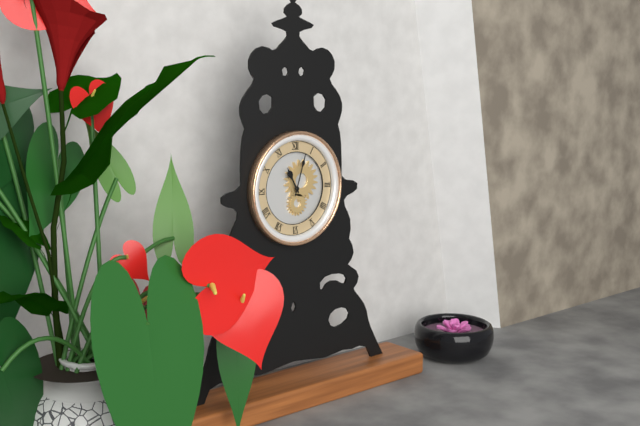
11:03
